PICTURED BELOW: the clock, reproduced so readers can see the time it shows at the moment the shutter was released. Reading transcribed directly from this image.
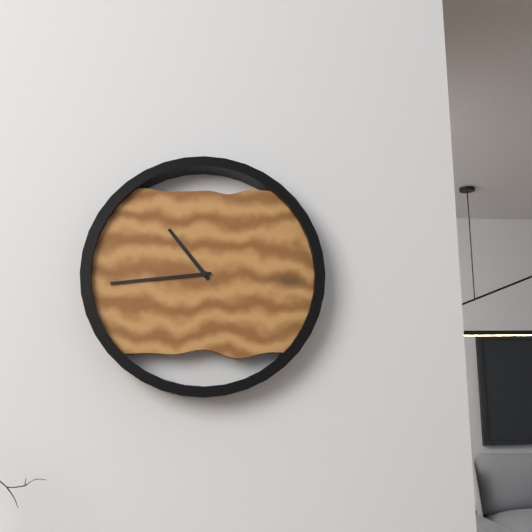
10:44
